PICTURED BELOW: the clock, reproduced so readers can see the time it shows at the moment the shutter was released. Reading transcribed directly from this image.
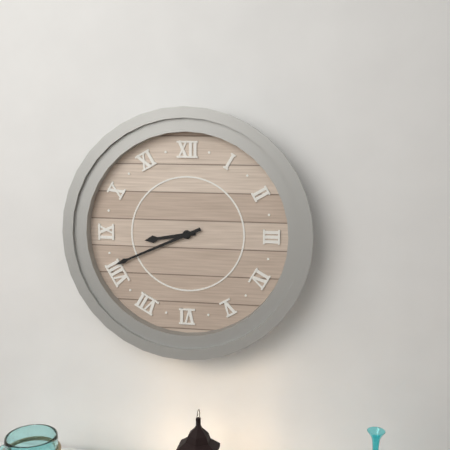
8:41
